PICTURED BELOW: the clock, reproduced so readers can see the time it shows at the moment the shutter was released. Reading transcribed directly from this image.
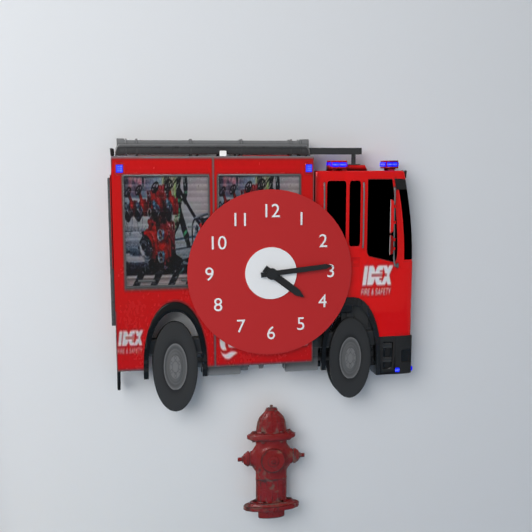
4:14
